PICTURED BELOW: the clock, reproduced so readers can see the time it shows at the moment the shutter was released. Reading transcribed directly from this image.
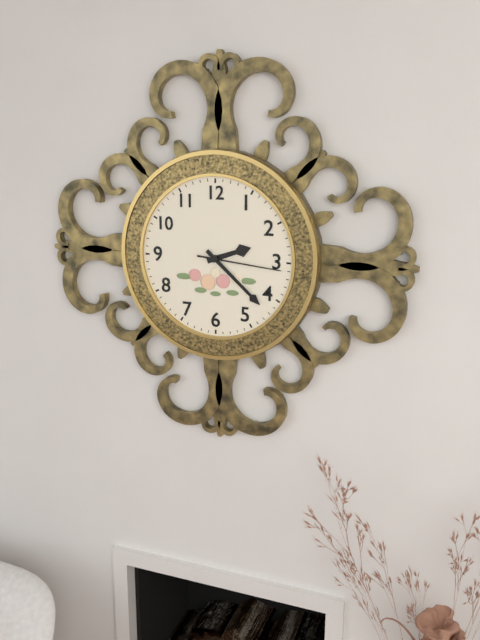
2:22:16
